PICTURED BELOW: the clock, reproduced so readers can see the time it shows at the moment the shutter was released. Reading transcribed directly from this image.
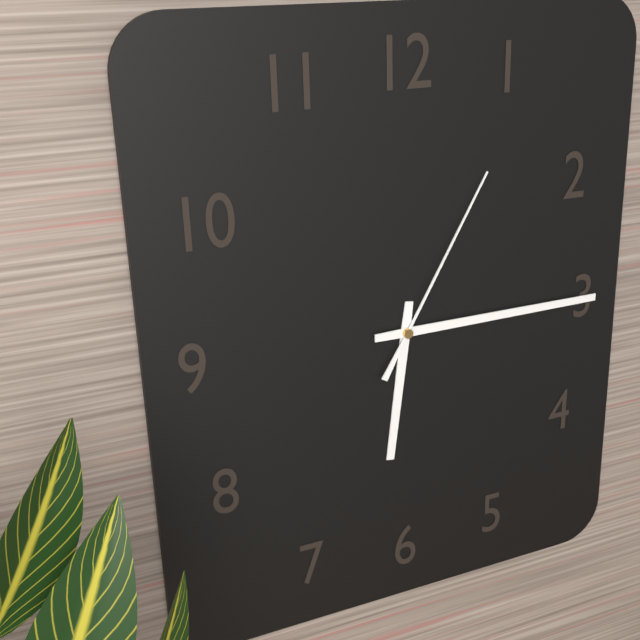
6:15:05
